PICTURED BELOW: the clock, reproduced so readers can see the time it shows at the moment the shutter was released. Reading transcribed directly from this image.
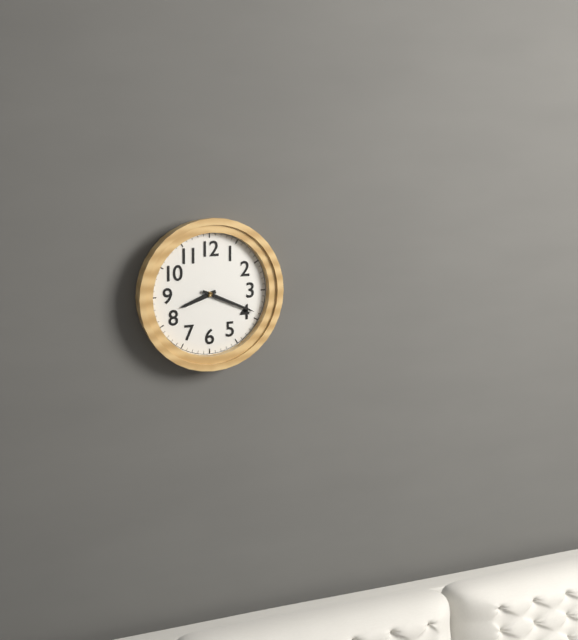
8:19
